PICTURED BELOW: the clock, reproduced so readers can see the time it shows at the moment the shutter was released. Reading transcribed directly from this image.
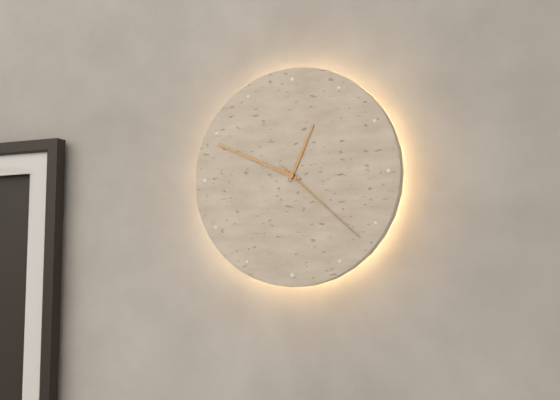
12:49:22
